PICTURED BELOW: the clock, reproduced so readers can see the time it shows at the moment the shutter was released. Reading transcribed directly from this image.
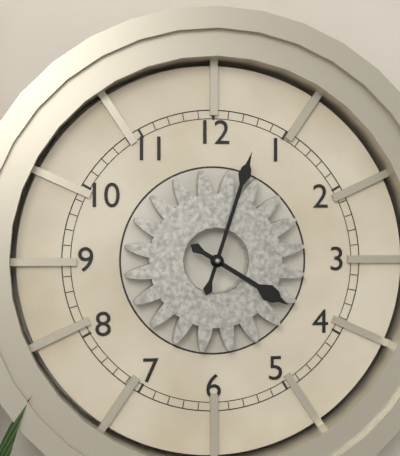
4:03
